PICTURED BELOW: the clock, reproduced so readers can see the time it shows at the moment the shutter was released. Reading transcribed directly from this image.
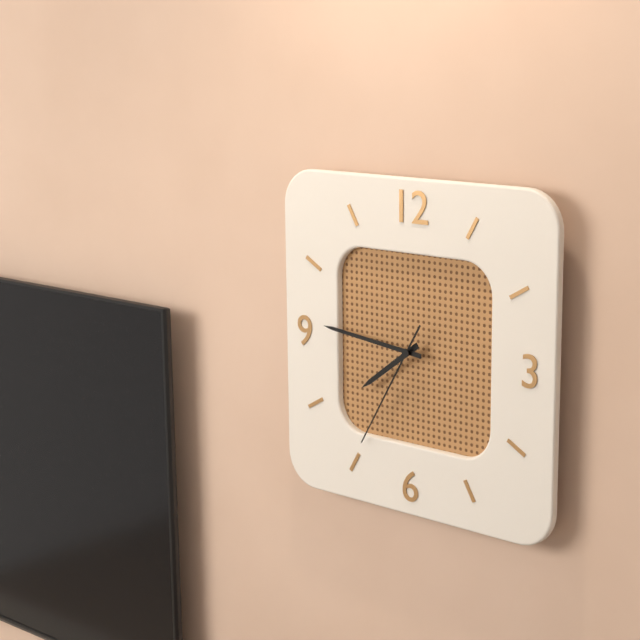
7:46:35
